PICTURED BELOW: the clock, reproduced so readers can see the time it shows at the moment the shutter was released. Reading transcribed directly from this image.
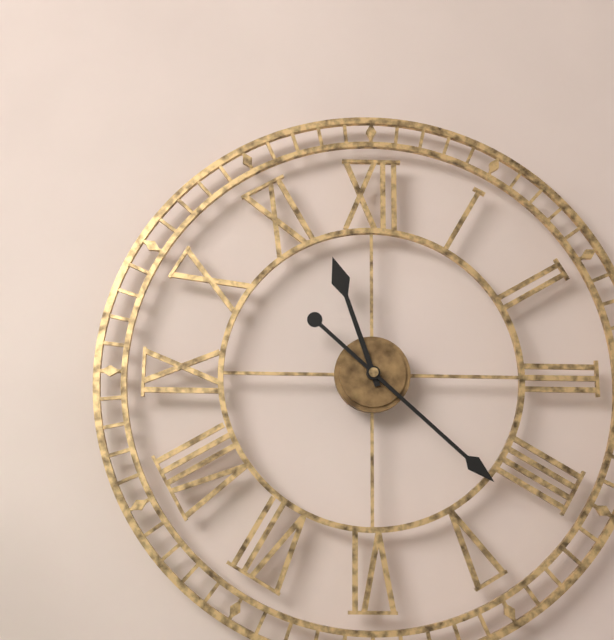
11:22
